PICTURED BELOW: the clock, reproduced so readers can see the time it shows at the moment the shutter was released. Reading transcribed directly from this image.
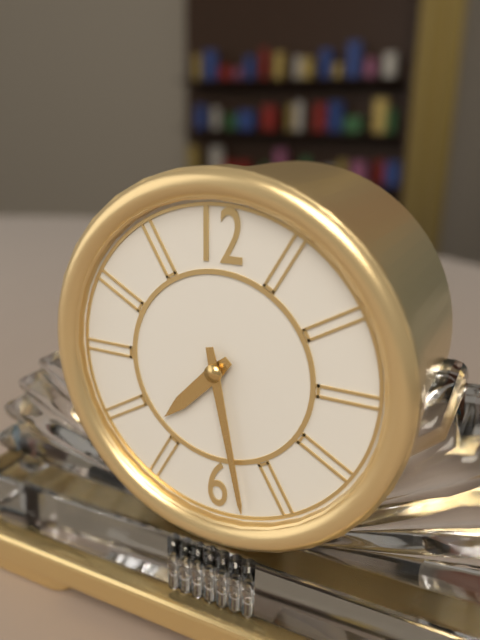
7:28
